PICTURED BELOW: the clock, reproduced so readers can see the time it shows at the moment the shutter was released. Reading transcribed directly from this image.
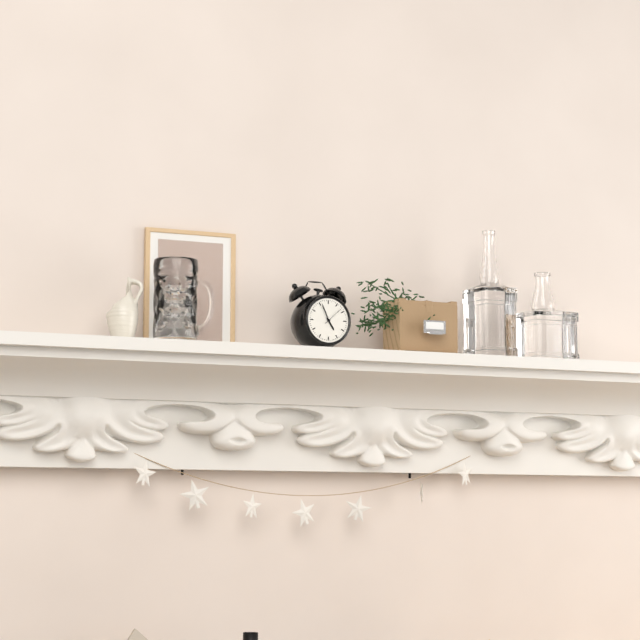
4:56
